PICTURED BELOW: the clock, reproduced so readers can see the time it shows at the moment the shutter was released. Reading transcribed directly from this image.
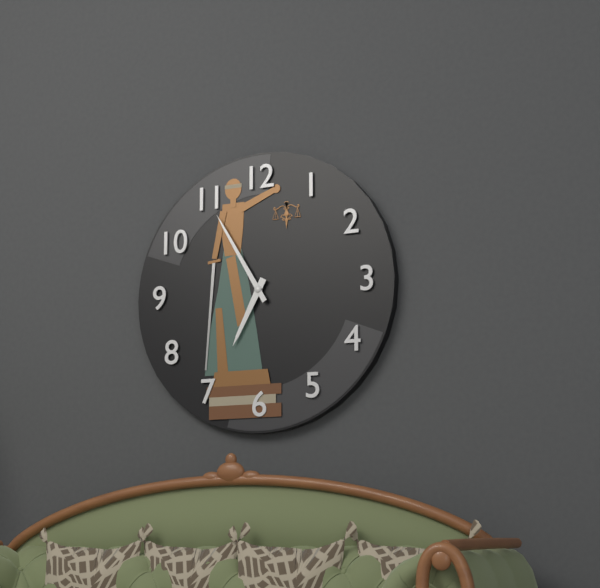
6:55
